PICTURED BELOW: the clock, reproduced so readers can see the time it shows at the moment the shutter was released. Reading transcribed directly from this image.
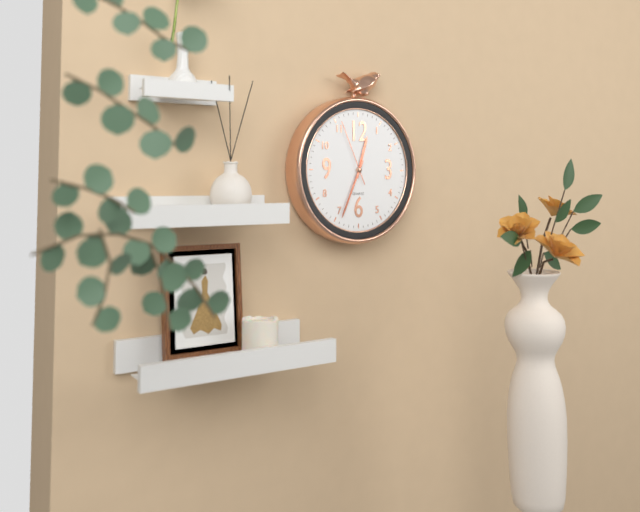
12:34:56
